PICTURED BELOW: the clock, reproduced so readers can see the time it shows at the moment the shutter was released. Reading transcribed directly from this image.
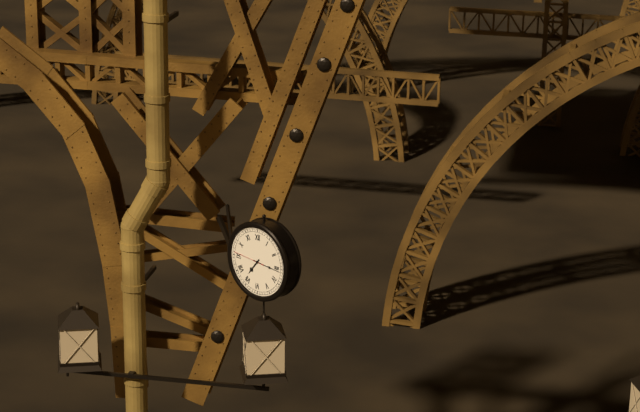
7:16
